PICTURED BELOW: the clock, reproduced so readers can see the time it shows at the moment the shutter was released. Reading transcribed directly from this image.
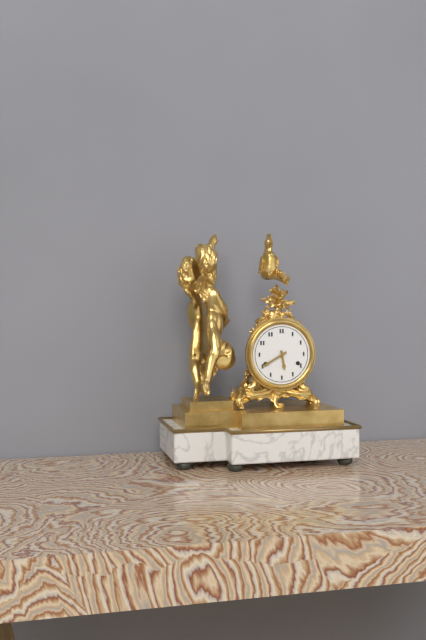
5:40
